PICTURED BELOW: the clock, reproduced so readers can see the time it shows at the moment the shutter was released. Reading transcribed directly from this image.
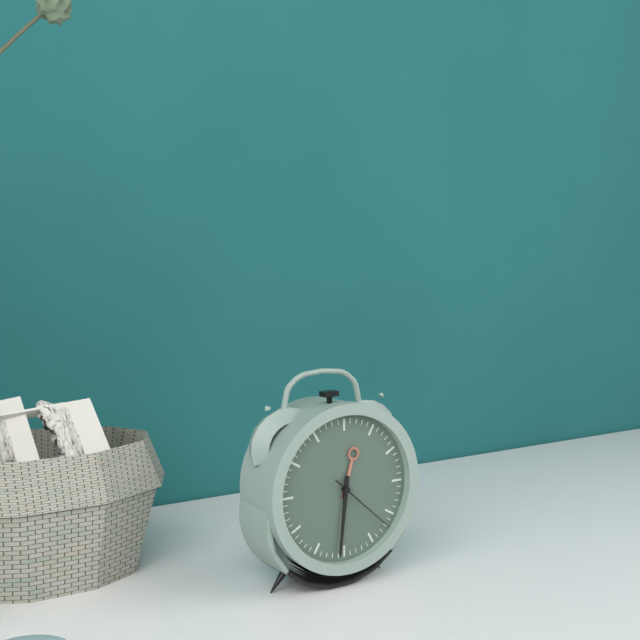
12:31:22
